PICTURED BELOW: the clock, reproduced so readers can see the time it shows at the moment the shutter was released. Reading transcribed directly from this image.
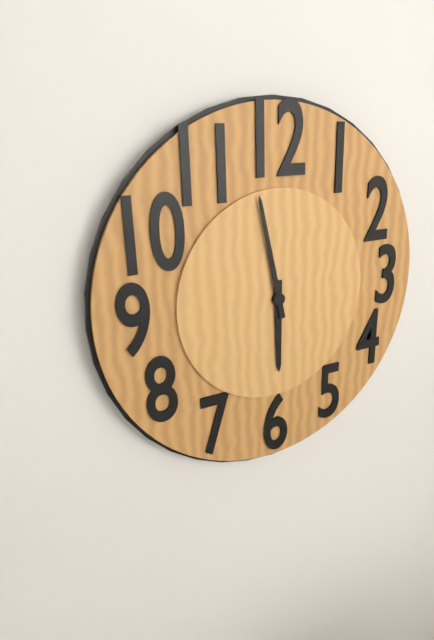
5:58
